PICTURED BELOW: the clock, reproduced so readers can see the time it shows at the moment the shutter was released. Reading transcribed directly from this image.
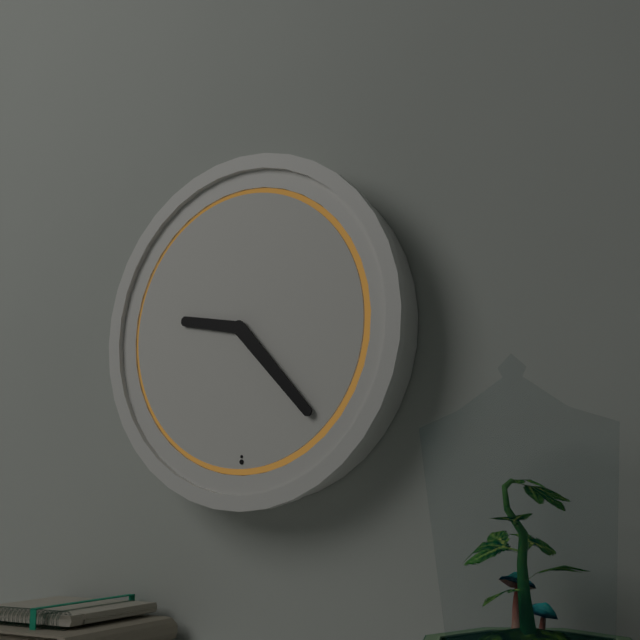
9:23
